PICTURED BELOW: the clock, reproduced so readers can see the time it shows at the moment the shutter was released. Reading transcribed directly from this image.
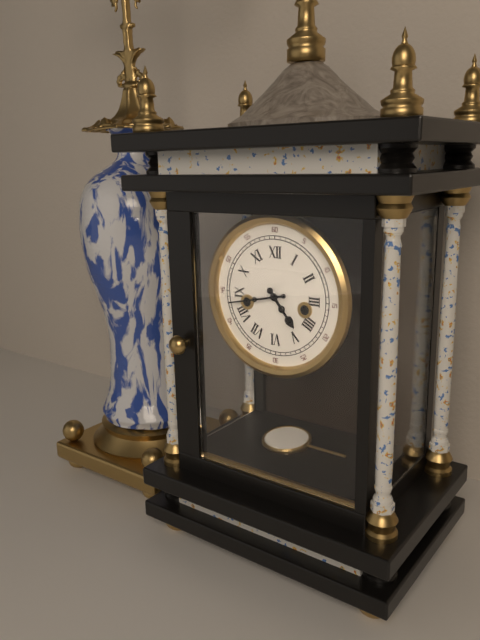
4:43
